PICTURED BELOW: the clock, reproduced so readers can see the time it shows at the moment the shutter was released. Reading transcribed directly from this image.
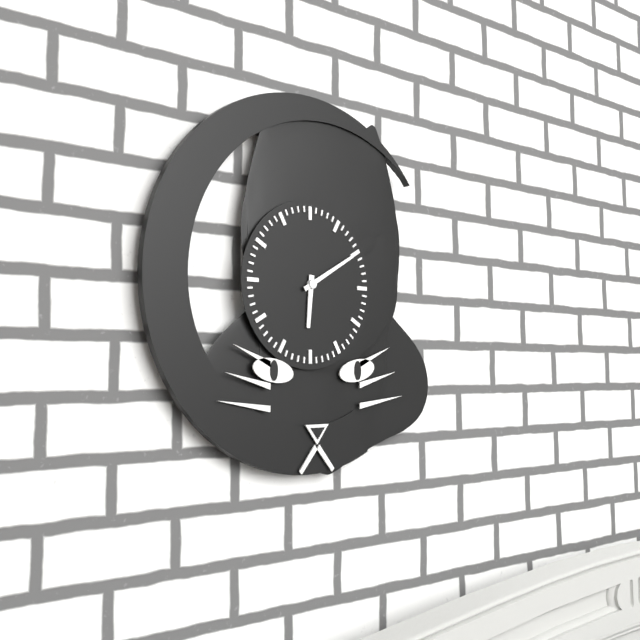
6:10
